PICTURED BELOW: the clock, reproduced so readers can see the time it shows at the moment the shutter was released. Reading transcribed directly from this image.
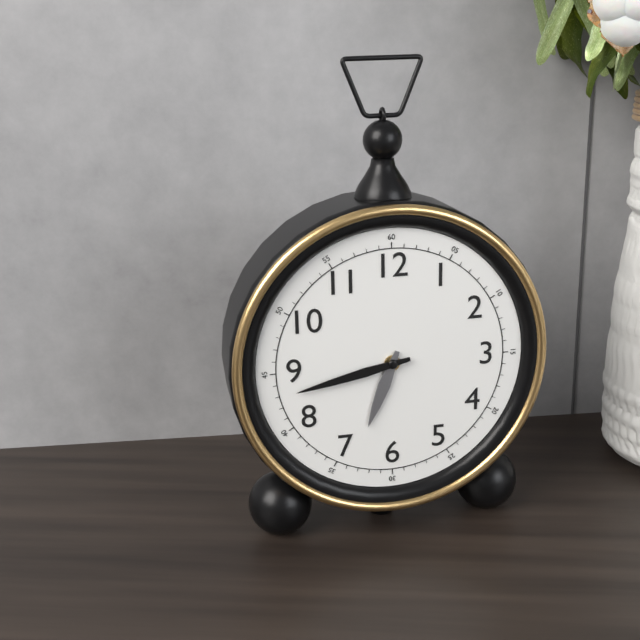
6:43
